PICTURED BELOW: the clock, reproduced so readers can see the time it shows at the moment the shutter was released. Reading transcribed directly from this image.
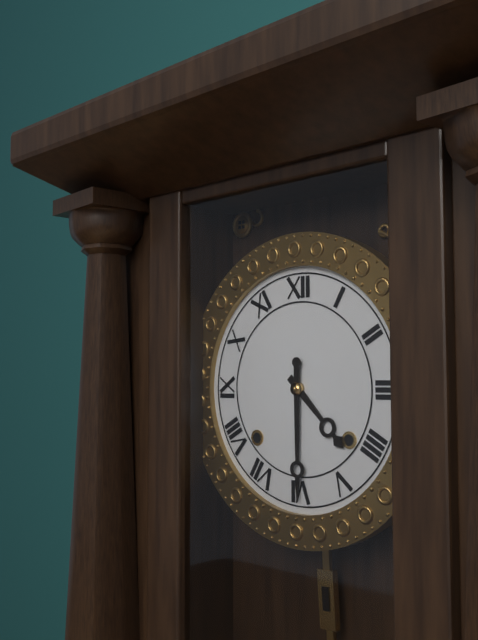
4:30
